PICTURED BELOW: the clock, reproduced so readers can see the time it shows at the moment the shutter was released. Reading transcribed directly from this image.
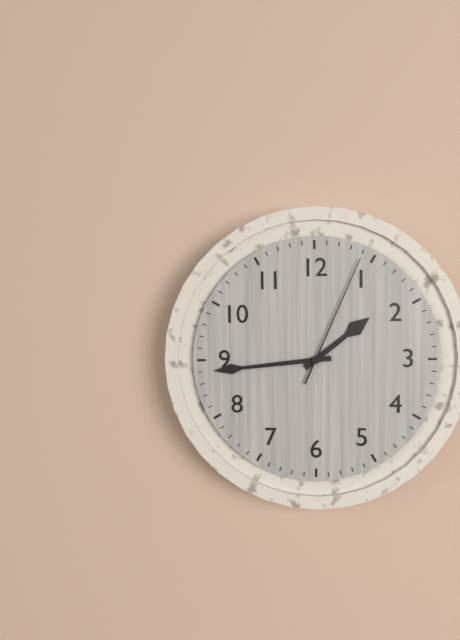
1:44:04
